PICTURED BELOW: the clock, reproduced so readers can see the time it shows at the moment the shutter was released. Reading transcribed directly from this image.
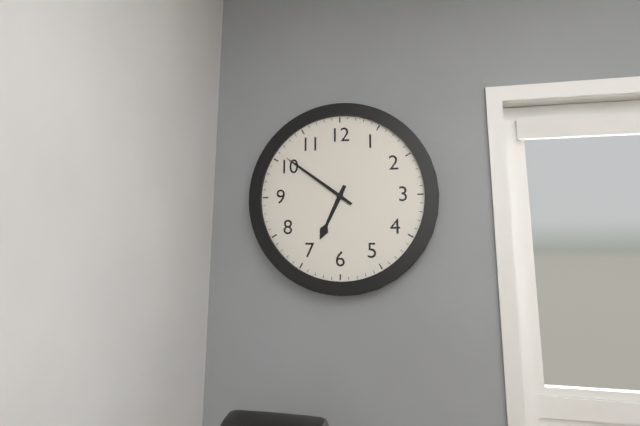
6:51
